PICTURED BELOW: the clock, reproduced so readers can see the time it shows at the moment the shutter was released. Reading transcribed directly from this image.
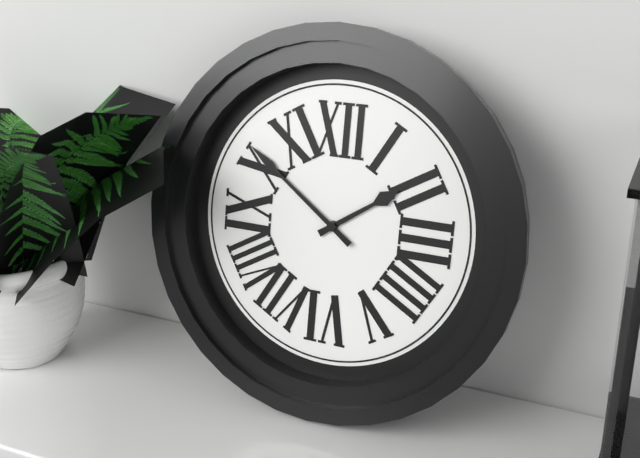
1:51
